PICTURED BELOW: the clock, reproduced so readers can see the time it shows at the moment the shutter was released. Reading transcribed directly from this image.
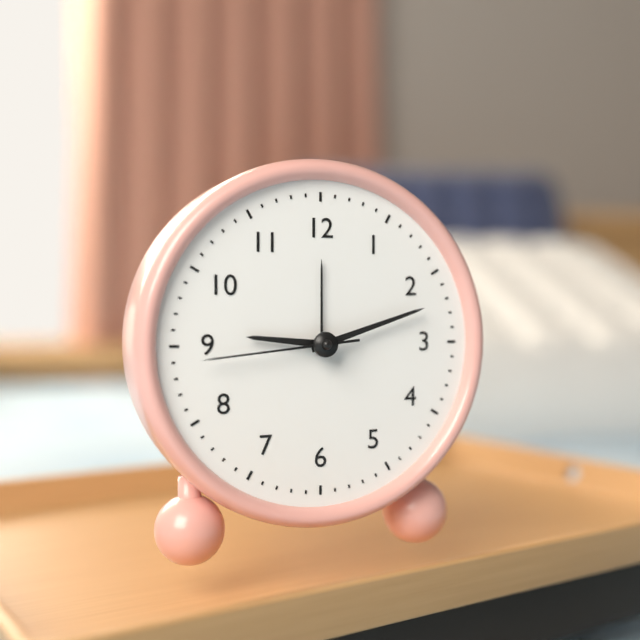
9:12:44
